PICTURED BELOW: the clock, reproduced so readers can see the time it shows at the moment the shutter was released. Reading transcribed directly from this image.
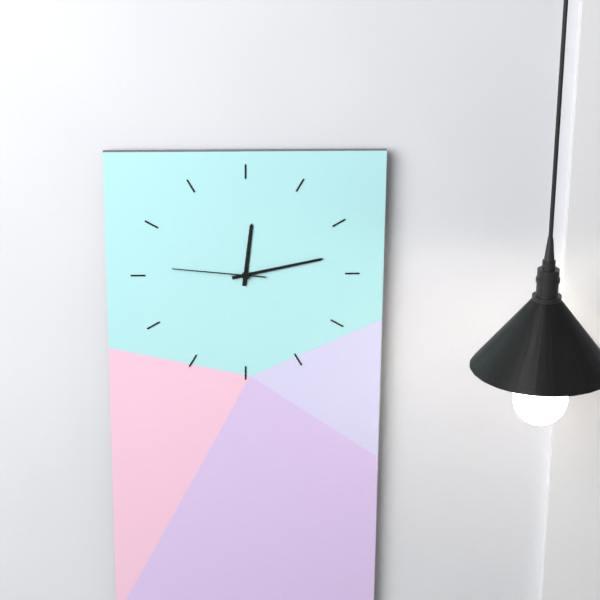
12:13:46
